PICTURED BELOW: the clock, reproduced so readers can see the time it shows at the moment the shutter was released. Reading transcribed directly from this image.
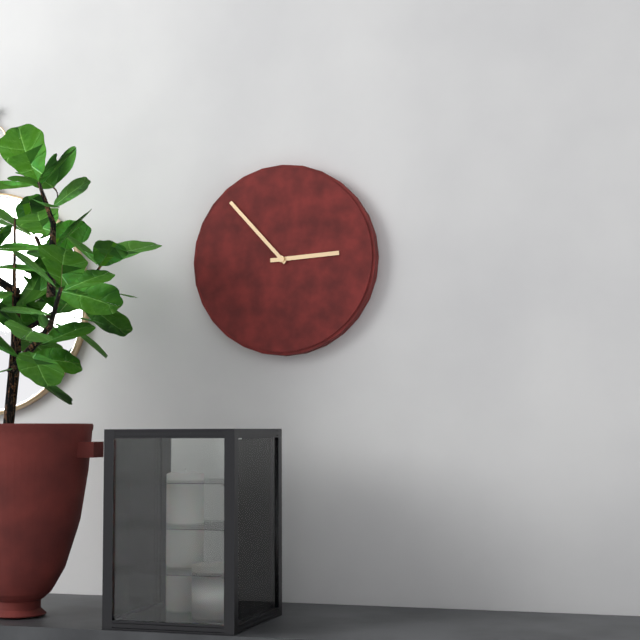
2:53
